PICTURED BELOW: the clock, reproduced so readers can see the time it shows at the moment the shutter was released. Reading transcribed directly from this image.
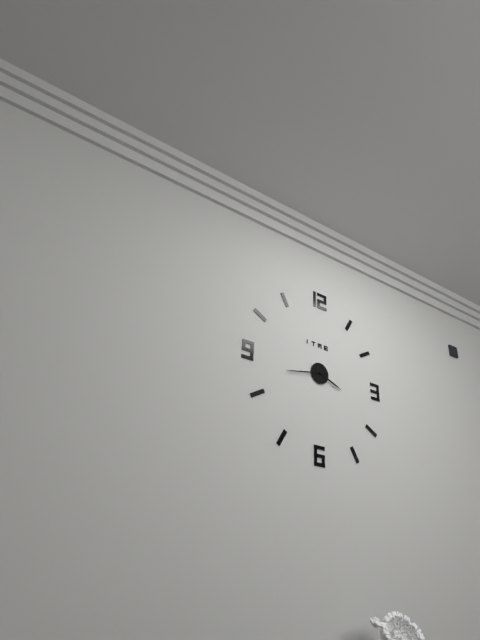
3:43
